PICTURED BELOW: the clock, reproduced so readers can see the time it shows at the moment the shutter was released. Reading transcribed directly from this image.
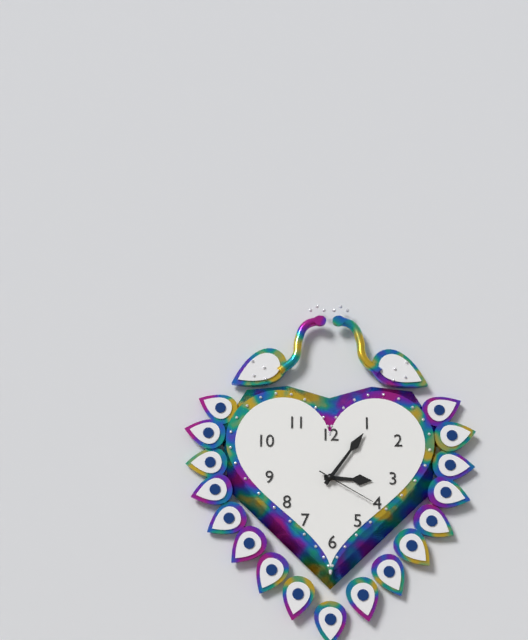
3:06:20
